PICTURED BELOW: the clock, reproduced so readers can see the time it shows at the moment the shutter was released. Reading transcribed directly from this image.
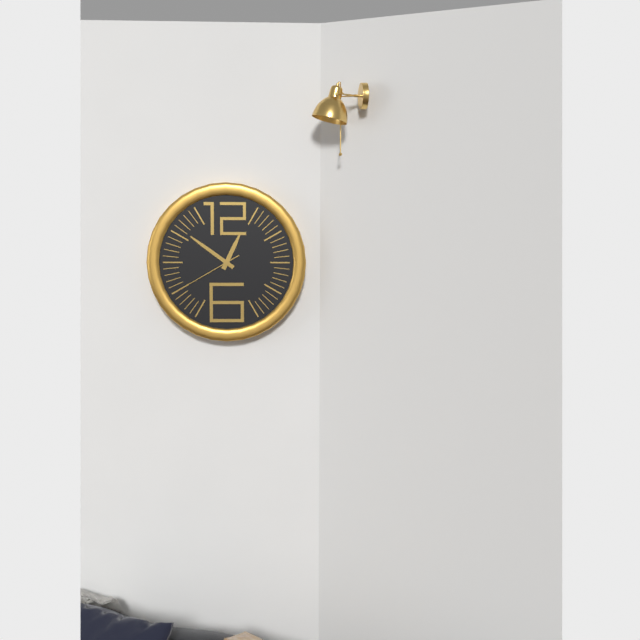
12:51:40
